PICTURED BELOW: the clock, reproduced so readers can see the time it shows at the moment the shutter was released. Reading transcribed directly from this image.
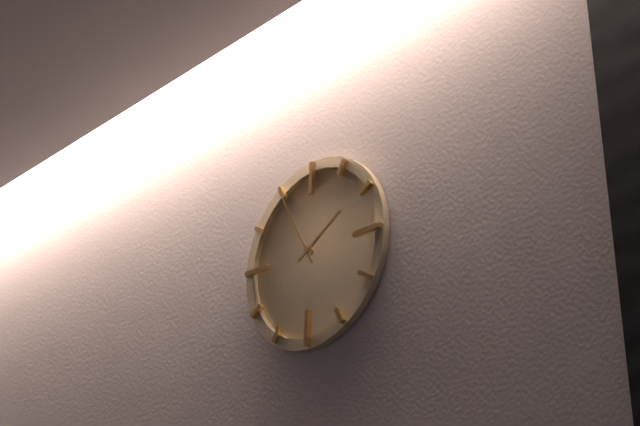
1:55
